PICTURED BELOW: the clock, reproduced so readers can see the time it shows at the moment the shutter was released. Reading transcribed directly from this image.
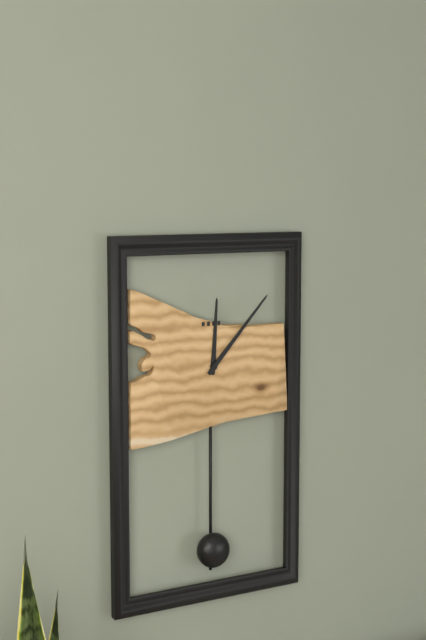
12:07
